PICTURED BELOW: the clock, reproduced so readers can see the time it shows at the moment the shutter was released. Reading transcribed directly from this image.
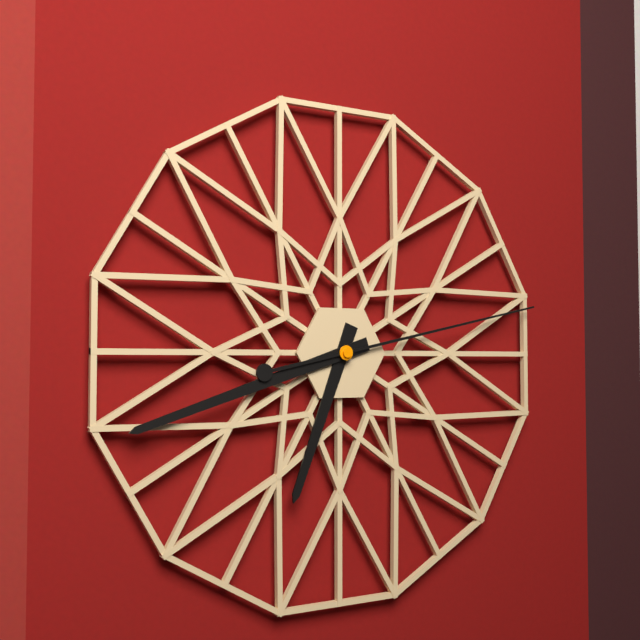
6:42:13
